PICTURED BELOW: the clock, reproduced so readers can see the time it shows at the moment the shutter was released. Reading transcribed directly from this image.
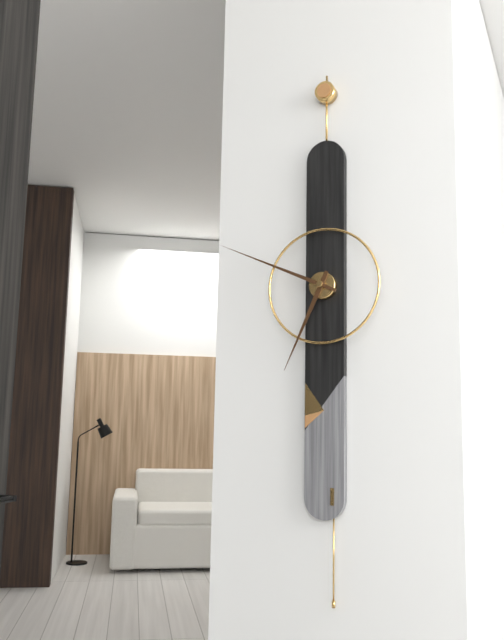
6:49
